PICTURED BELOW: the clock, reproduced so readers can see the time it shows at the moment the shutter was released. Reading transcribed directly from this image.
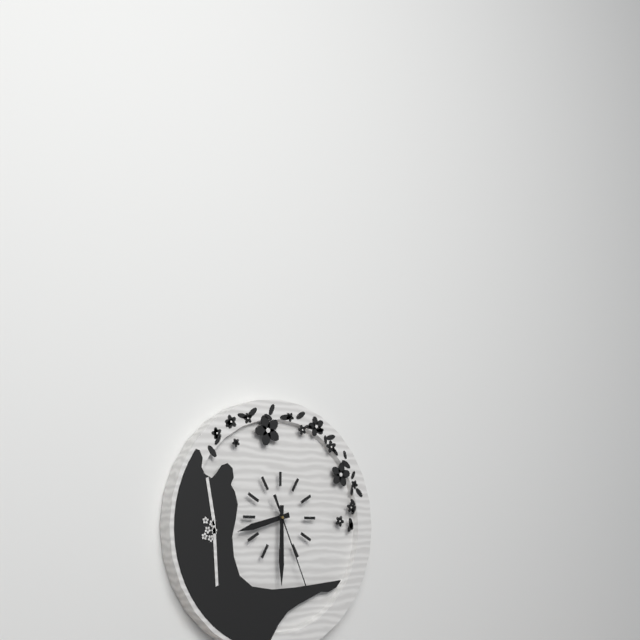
8:30:26
